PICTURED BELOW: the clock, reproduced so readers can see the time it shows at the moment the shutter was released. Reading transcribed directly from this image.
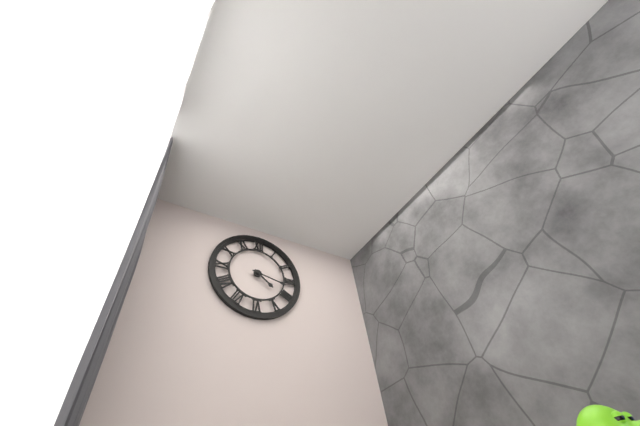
4:17
